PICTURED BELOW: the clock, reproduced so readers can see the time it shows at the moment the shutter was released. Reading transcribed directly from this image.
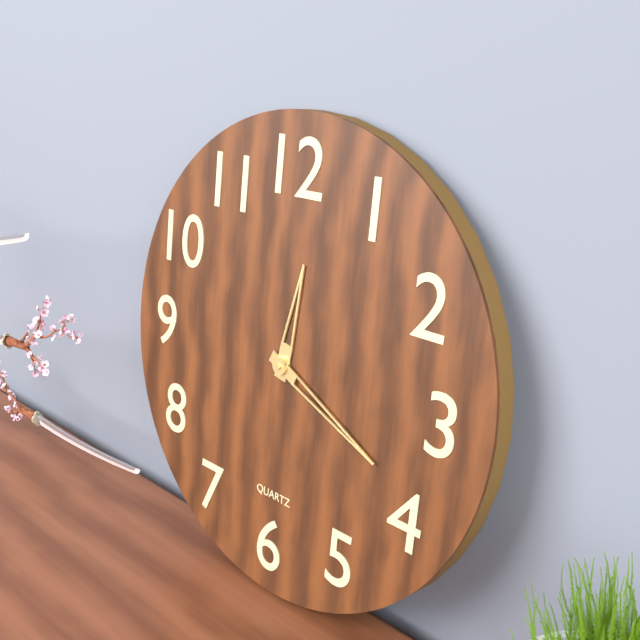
12:19
